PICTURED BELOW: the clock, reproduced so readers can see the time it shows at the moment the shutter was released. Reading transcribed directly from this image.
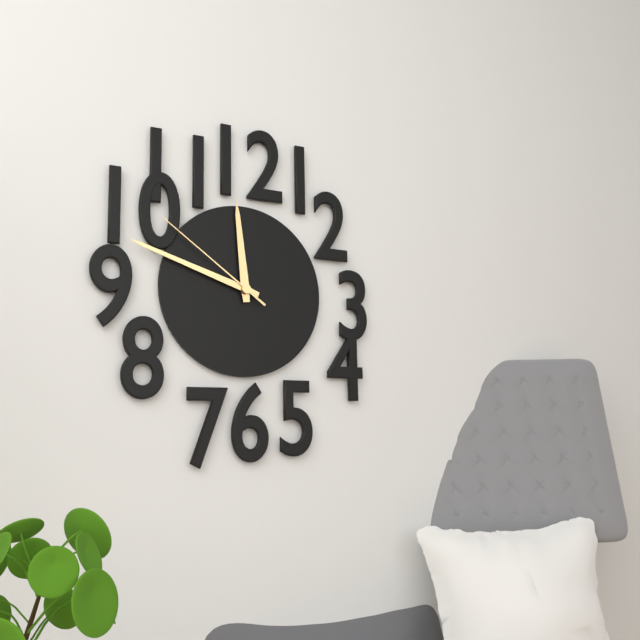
11:48:51
